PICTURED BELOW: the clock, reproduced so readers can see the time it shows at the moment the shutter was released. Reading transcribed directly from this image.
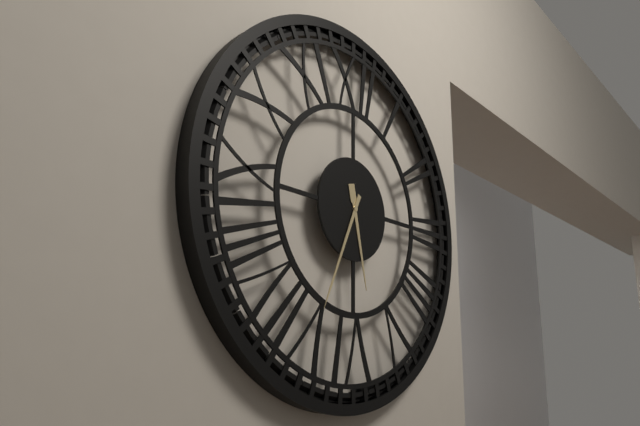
5:34
